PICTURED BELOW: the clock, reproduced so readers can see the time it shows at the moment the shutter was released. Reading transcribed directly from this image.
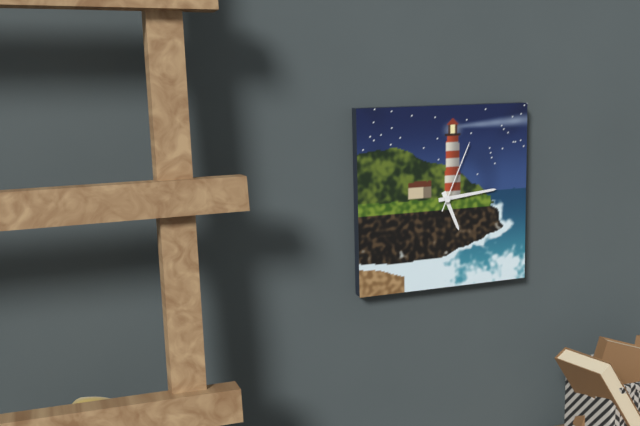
5:14:04
